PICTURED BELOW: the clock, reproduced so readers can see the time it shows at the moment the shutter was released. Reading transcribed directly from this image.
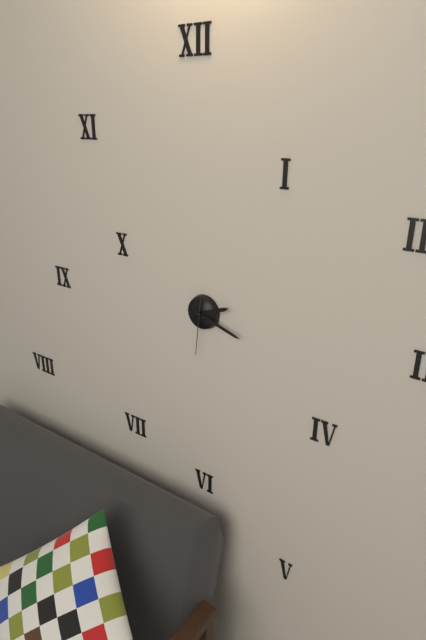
2:18:31
